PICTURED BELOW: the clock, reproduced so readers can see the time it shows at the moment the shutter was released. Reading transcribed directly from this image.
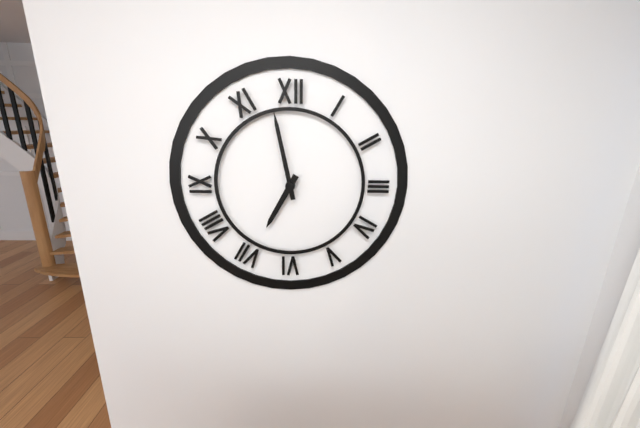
6:58
